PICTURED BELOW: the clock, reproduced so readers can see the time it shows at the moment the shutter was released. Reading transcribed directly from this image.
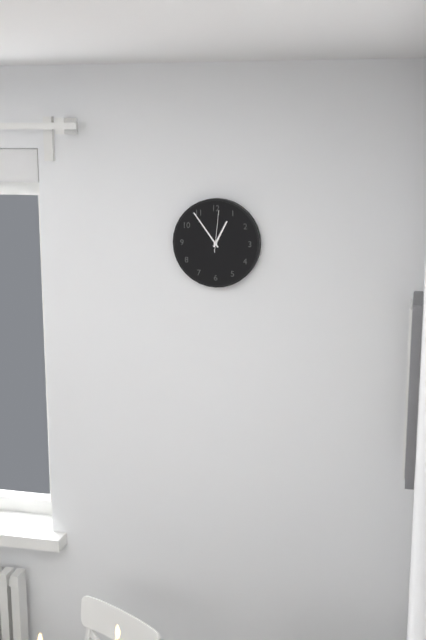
12:54
